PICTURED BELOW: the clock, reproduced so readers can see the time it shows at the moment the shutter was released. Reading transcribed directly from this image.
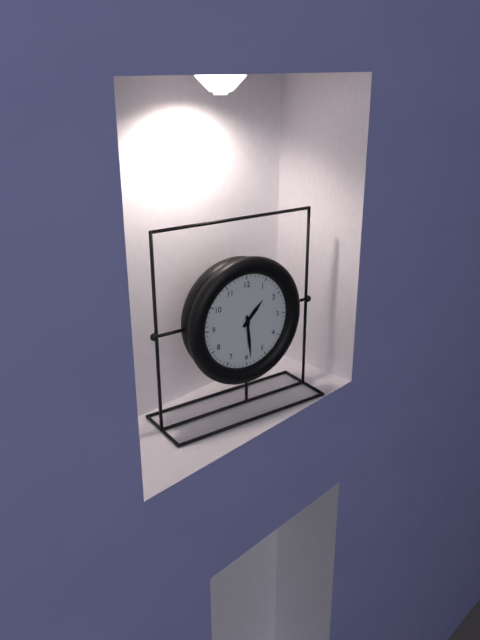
1:29
